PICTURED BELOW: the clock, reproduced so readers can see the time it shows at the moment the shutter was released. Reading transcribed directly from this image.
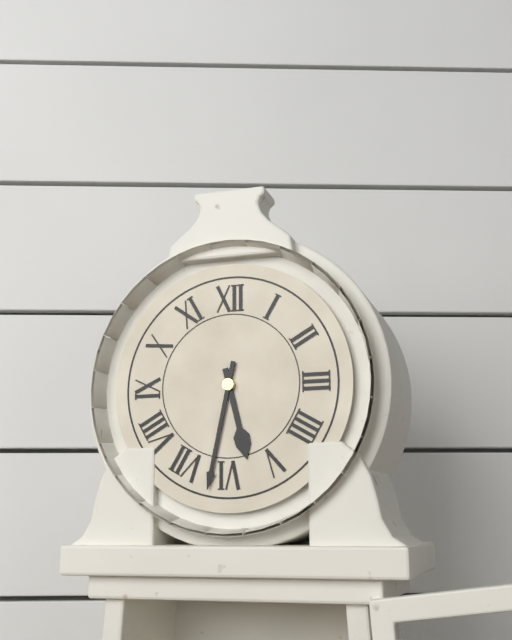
5:32
